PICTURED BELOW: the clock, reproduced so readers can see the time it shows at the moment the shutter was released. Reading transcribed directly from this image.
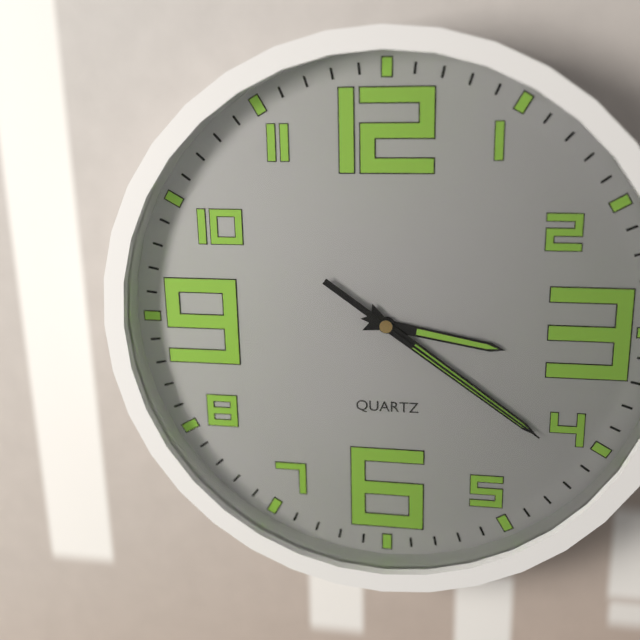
3:21:21
